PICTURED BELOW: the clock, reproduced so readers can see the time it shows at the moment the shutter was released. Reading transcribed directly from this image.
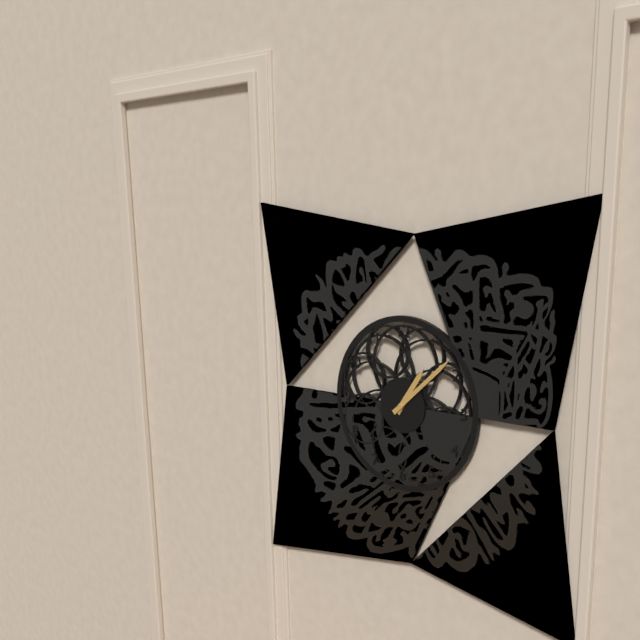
1:08
